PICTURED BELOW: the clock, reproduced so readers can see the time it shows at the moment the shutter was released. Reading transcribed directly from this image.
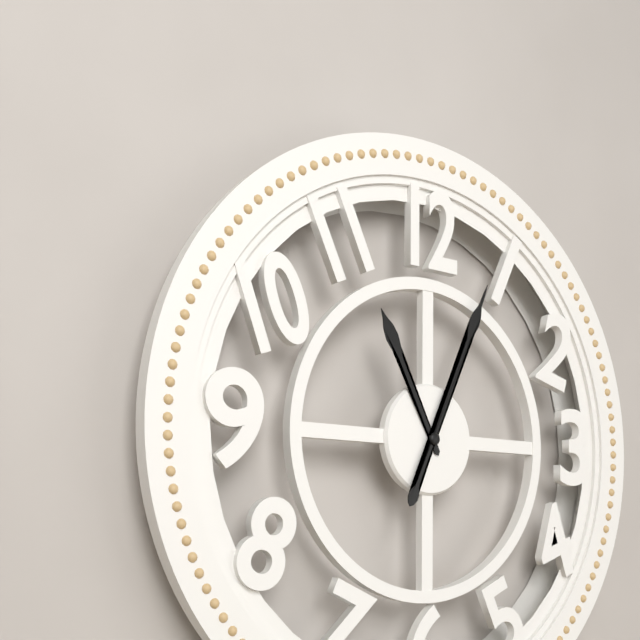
11:04
